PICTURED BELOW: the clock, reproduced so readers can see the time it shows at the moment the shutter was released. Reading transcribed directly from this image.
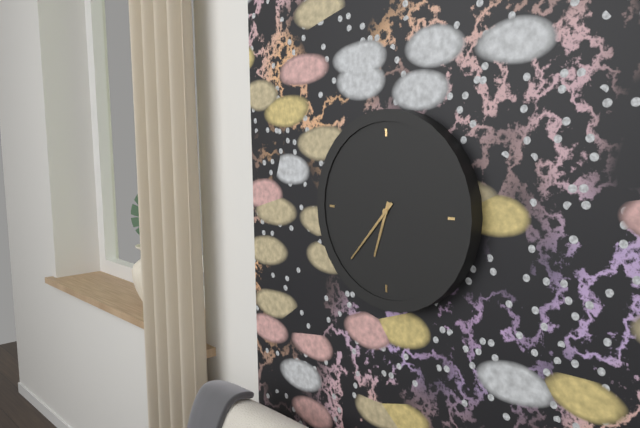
6:37
